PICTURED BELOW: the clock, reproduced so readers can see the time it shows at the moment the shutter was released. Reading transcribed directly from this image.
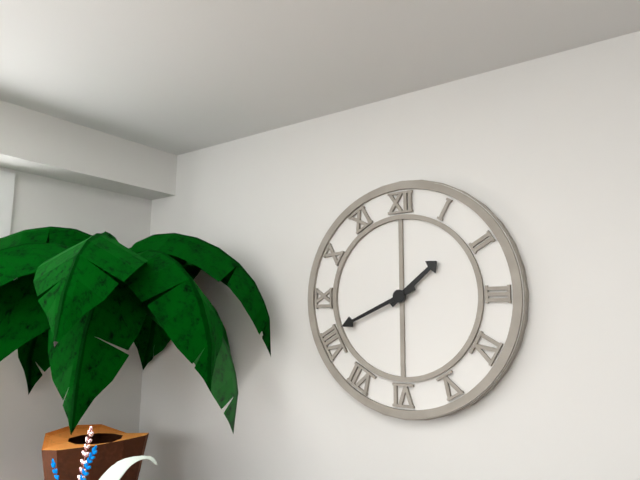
1:41
